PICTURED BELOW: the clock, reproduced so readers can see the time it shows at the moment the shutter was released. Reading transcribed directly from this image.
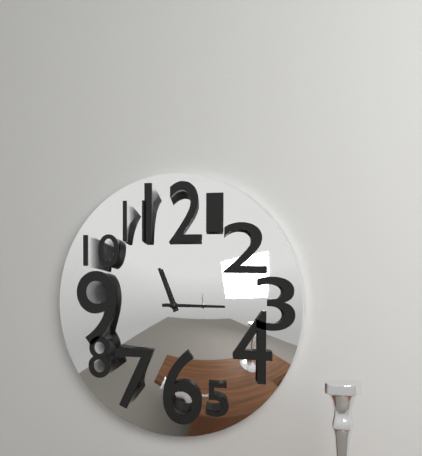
11:15
